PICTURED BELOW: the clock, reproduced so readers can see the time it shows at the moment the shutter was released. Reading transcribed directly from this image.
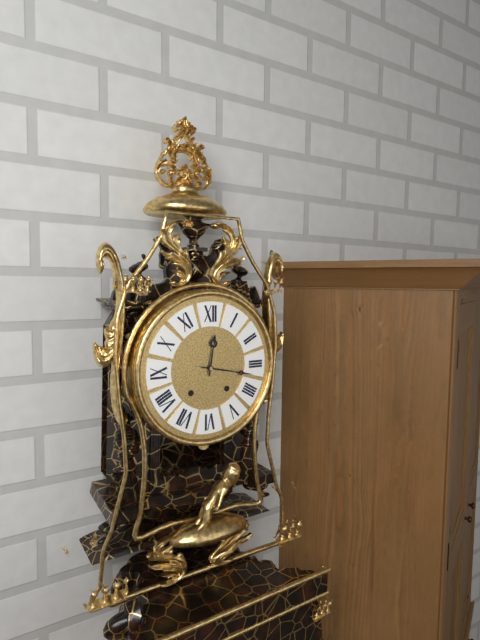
12:17
